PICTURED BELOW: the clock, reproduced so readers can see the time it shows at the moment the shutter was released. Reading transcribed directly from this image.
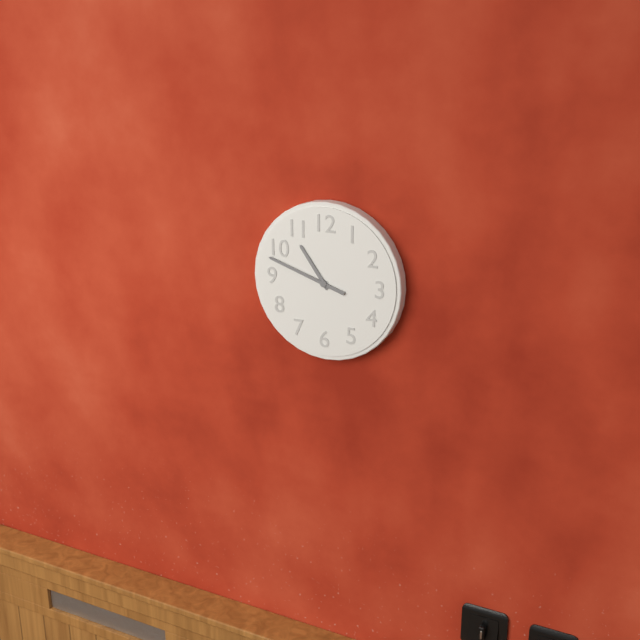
10:48
